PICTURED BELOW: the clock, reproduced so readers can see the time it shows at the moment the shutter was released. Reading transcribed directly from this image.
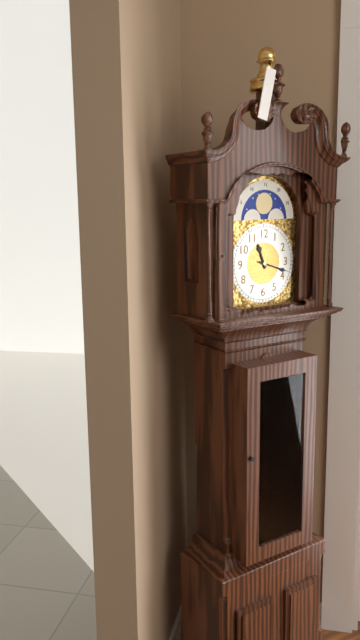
11:18
